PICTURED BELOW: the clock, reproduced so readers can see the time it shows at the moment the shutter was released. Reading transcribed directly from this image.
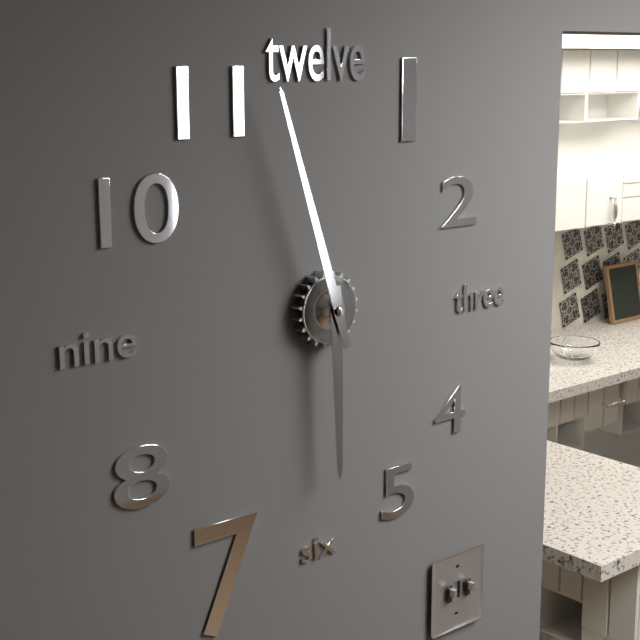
5:57
